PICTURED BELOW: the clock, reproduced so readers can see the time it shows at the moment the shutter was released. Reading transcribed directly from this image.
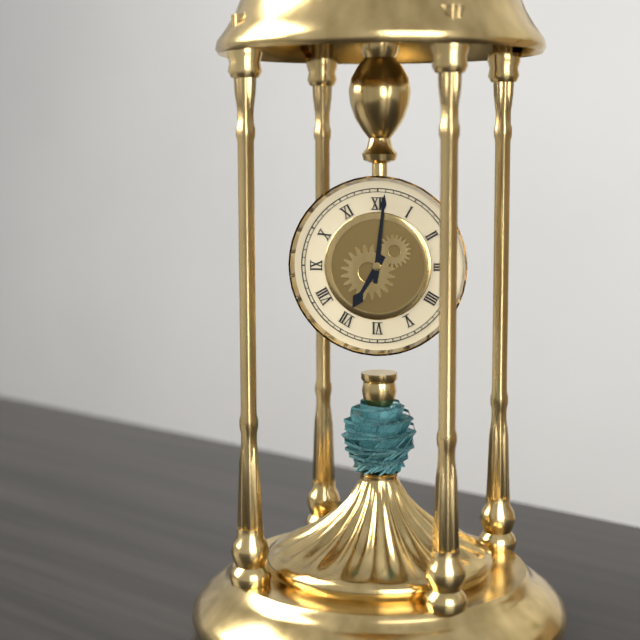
7:01
